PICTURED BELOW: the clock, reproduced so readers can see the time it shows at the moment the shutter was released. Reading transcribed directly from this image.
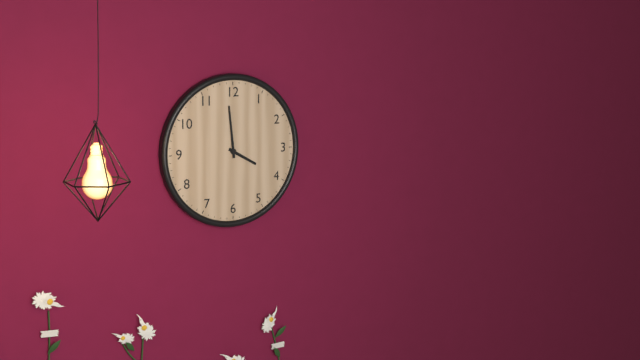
3:59
